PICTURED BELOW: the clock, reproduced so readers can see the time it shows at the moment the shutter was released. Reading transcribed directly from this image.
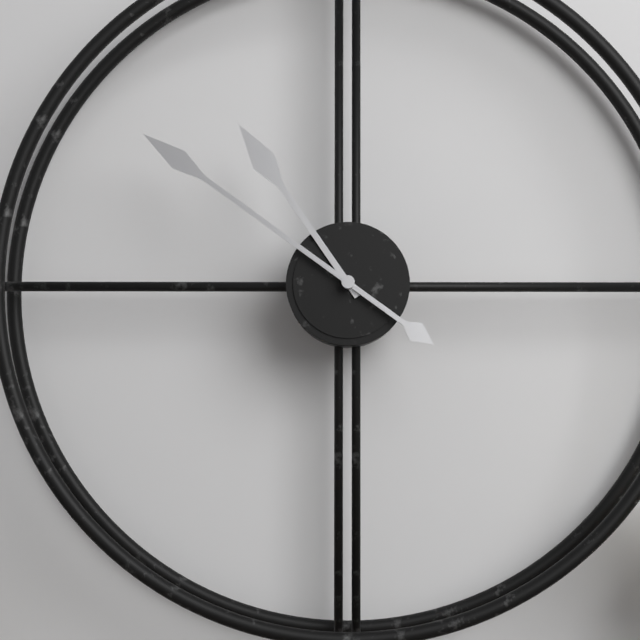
10:51
